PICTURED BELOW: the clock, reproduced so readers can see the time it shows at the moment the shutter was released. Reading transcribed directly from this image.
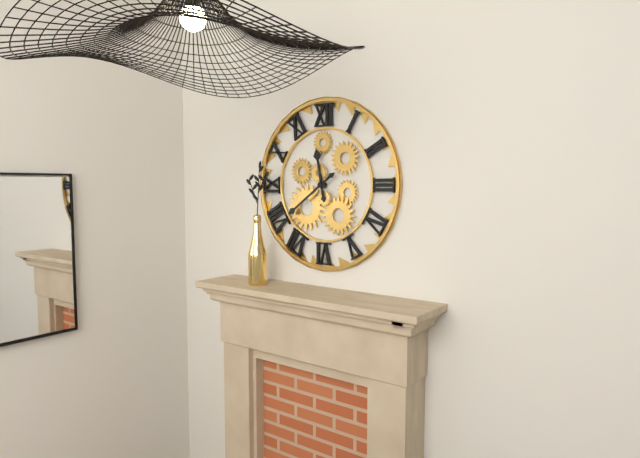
11:39
